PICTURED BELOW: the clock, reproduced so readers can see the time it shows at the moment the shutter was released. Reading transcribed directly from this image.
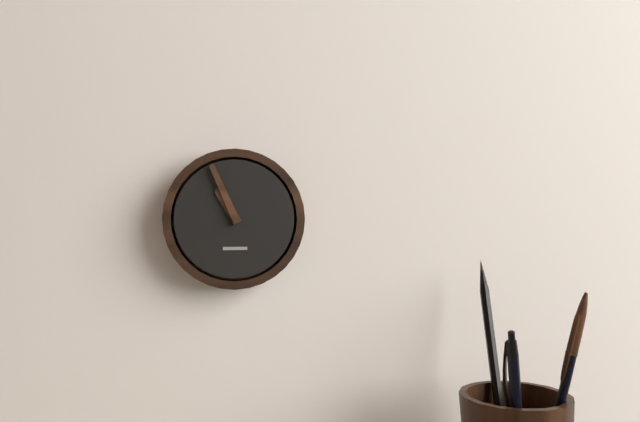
10:56
